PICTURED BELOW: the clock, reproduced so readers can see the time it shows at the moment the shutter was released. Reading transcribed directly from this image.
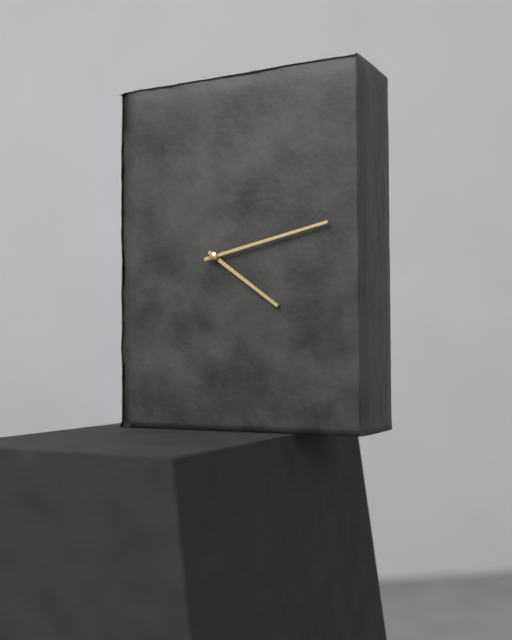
4:13
